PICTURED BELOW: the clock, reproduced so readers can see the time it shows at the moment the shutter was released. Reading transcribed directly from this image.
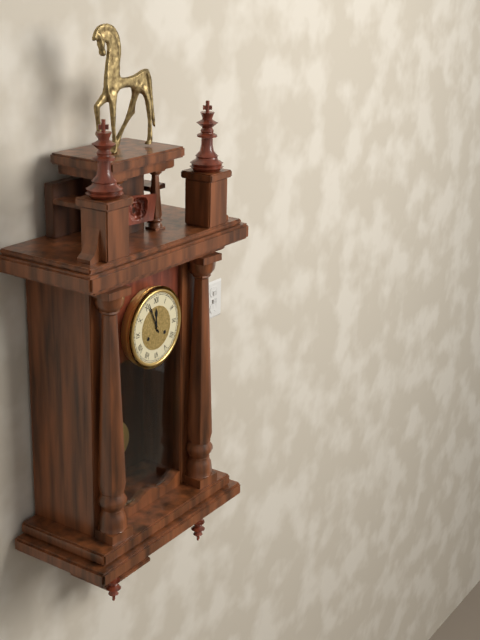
11:56
